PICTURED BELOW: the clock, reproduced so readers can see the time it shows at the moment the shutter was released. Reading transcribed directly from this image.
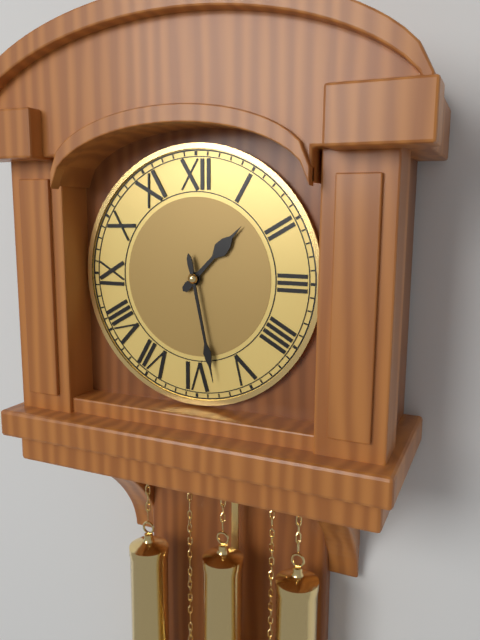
1:28
